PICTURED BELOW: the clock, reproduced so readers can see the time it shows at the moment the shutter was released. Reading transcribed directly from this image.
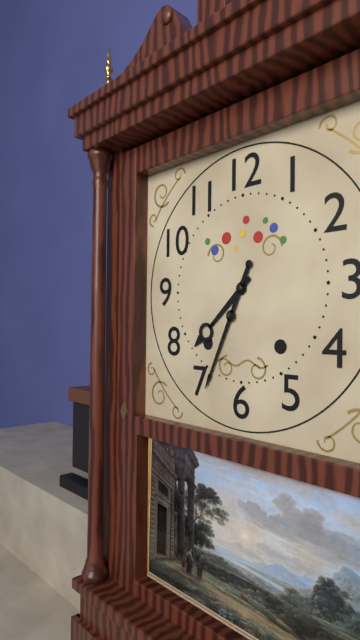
7:34
